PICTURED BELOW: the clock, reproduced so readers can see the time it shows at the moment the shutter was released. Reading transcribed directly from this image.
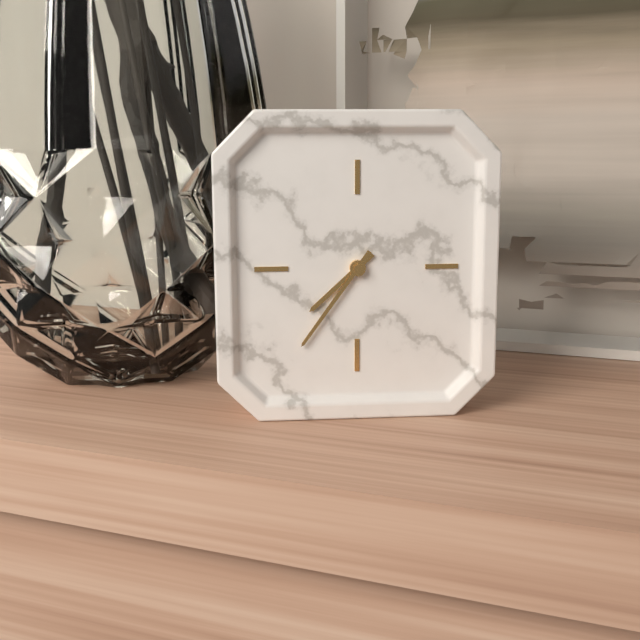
7:36
